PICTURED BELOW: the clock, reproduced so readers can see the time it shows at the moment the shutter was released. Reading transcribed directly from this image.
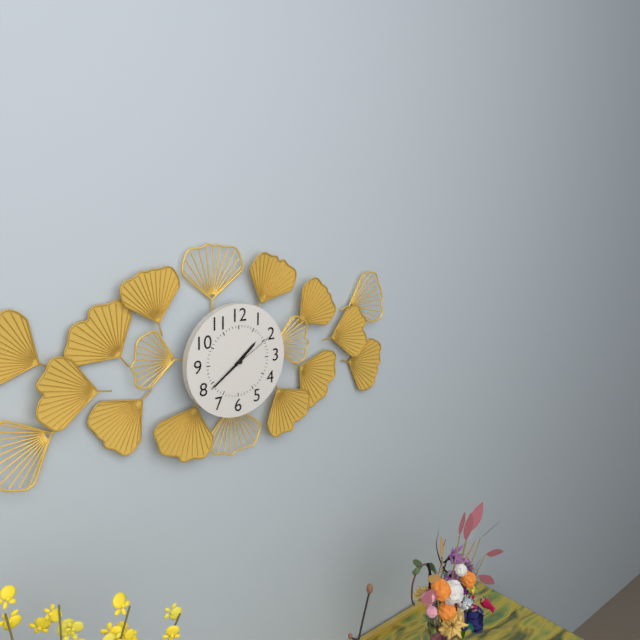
1:39:10
